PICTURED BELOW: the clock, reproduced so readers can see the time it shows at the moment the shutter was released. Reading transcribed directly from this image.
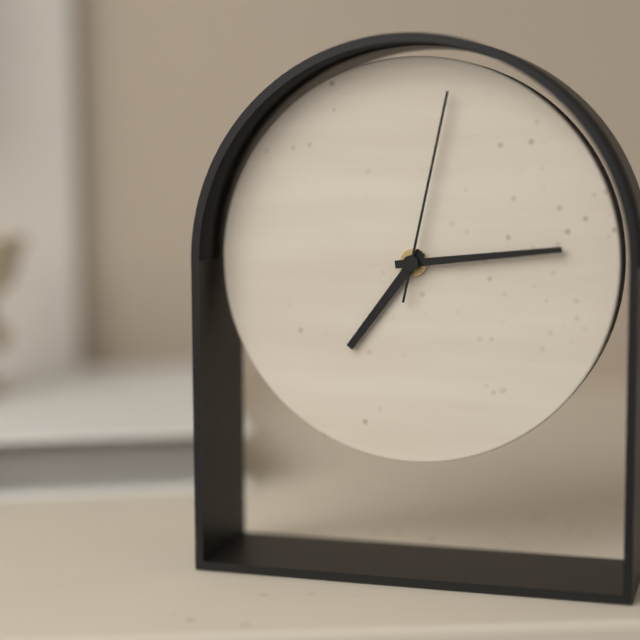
7:14:02
